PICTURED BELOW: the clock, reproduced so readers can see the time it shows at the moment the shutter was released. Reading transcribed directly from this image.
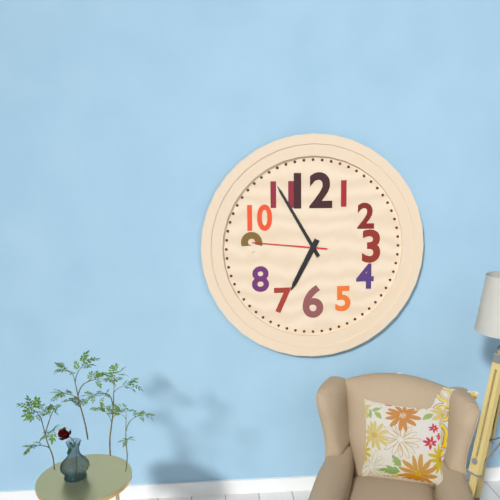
6:55:46
